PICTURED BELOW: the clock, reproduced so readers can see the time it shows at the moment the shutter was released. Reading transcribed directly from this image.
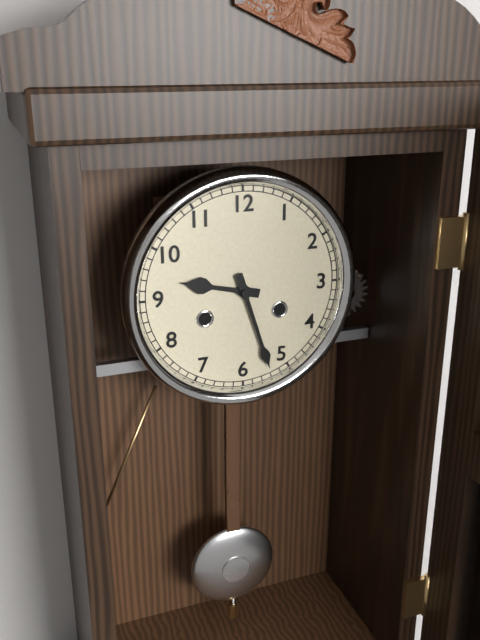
9:27
